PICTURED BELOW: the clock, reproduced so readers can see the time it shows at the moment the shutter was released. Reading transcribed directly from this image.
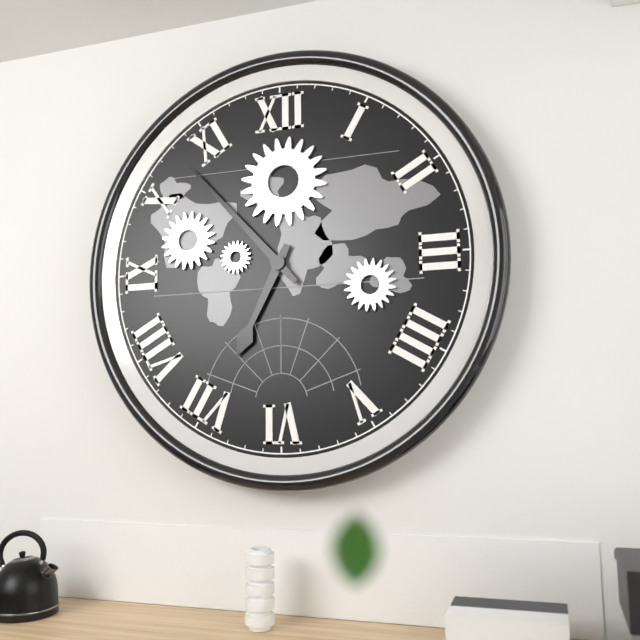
6:53
